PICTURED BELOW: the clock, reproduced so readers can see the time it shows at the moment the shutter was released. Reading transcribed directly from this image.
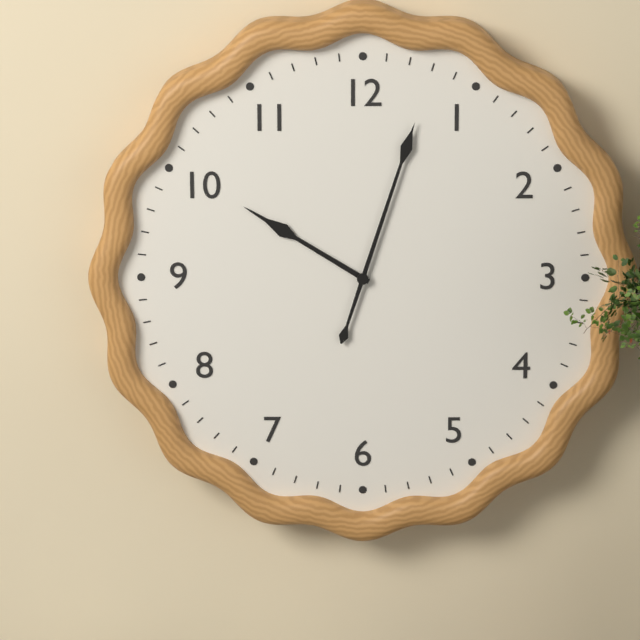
10:03
